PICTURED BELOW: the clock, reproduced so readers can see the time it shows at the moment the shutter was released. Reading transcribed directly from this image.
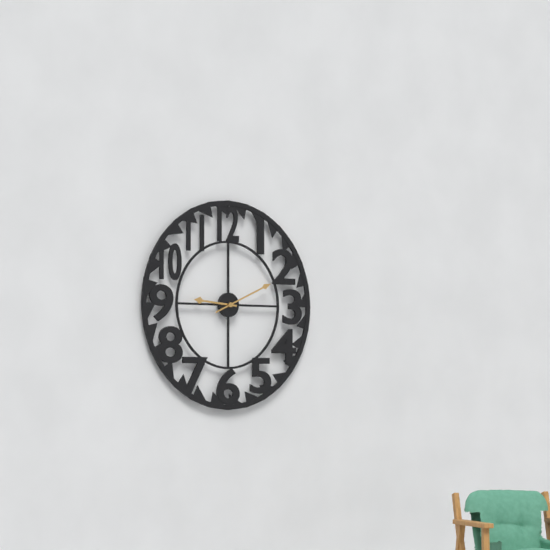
9:11
